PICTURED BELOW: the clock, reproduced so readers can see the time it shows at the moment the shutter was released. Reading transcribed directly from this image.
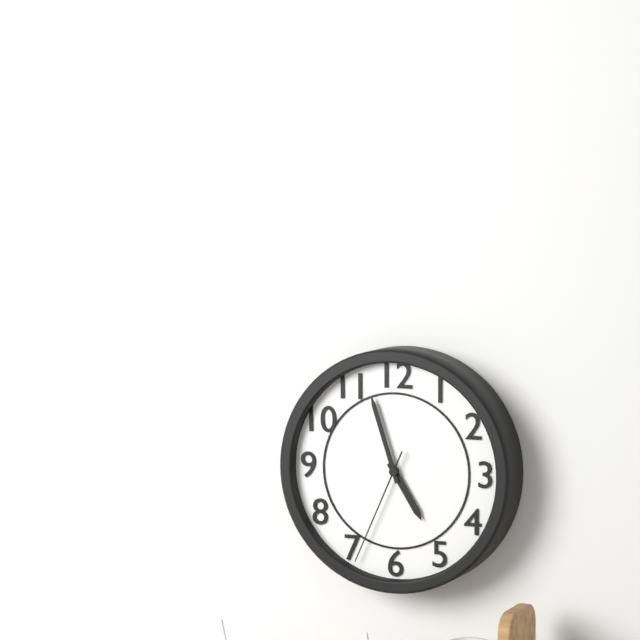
4:57:34
